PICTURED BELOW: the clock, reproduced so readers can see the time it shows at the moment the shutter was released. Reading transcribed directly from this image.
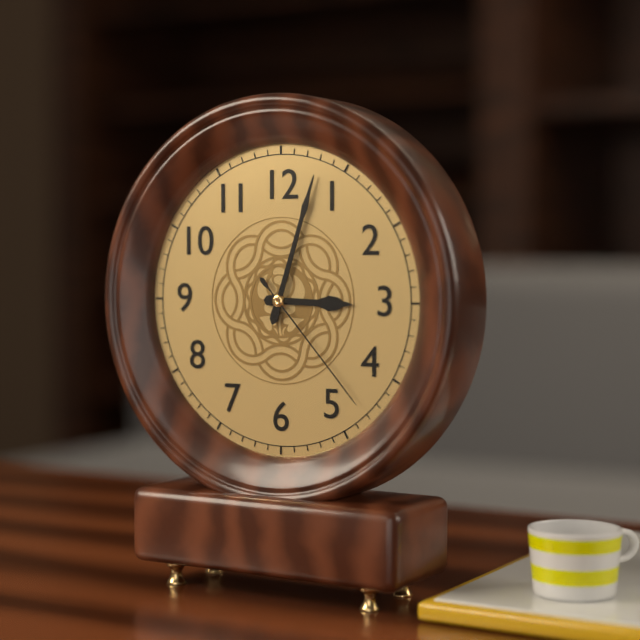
3:03:23
